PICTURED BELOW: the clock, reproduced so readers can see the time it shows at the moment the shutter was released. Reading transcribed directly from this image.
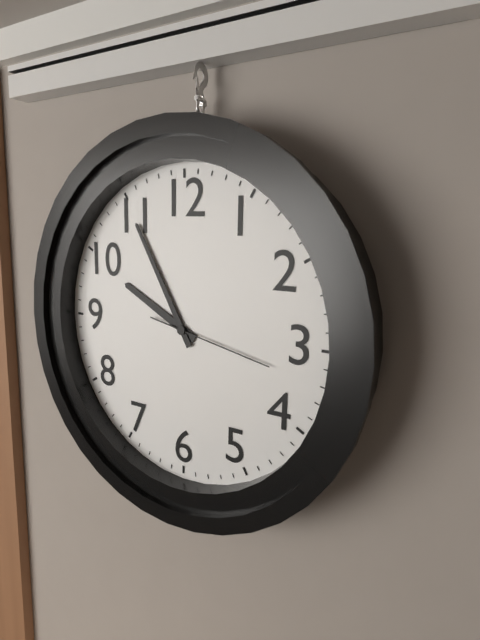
9:55:17
